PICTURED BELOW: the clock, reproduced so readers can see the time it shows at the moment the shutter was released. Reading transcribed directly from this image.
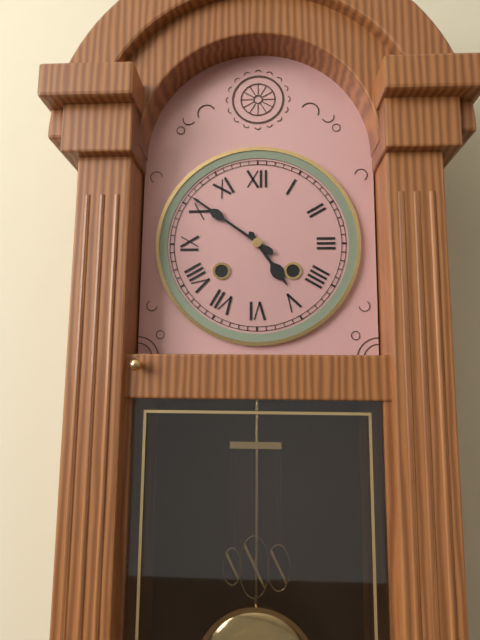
4:51
